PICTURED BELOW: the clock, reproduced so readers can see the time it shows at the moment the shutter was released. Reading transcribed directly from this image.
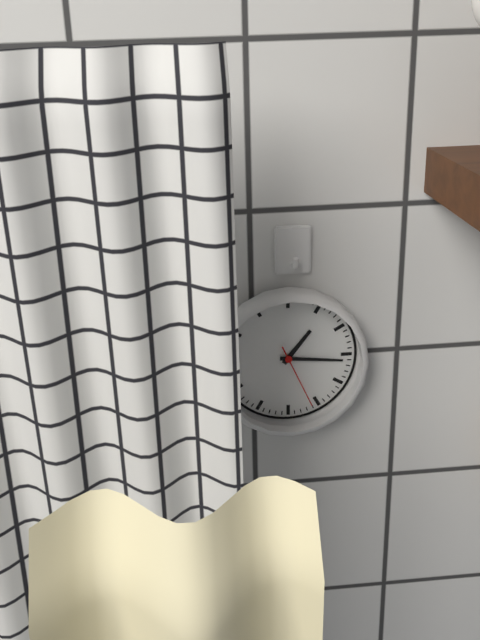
1:16:26
